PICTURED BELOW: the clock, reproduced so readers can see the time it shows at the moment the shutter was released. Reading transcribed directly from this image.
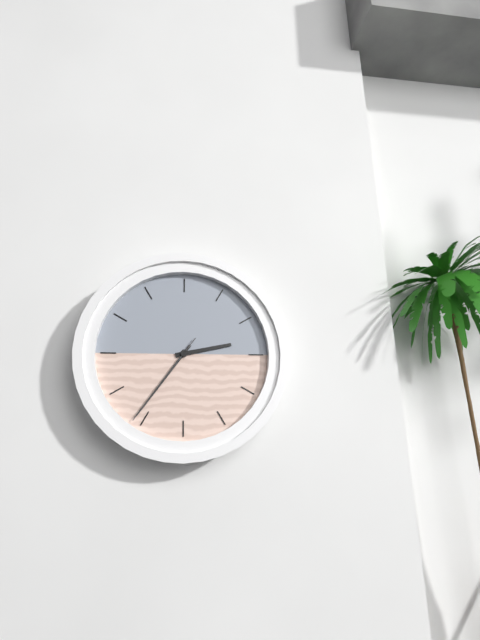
2:36:36
